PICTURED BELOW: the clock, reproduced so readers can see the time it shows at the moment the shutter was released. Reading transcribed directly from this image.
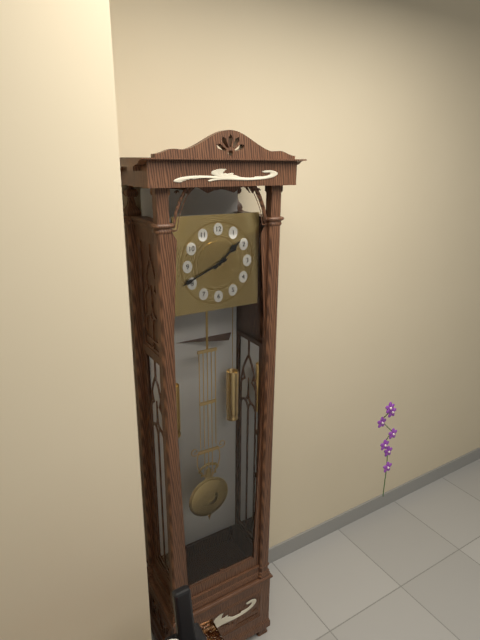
1:41
